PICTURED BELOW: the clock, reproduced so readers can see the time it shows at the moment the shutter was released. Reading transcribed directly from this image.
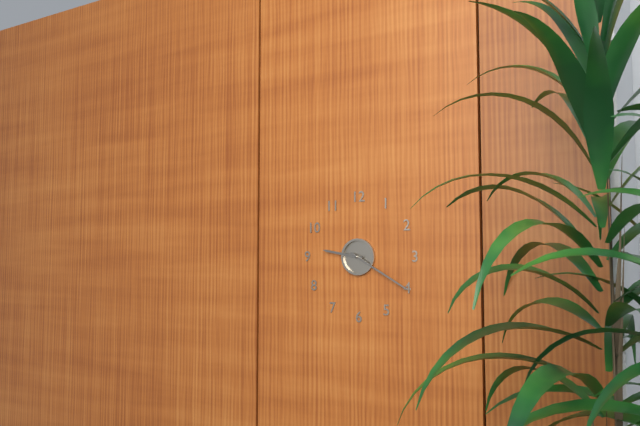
9:20
